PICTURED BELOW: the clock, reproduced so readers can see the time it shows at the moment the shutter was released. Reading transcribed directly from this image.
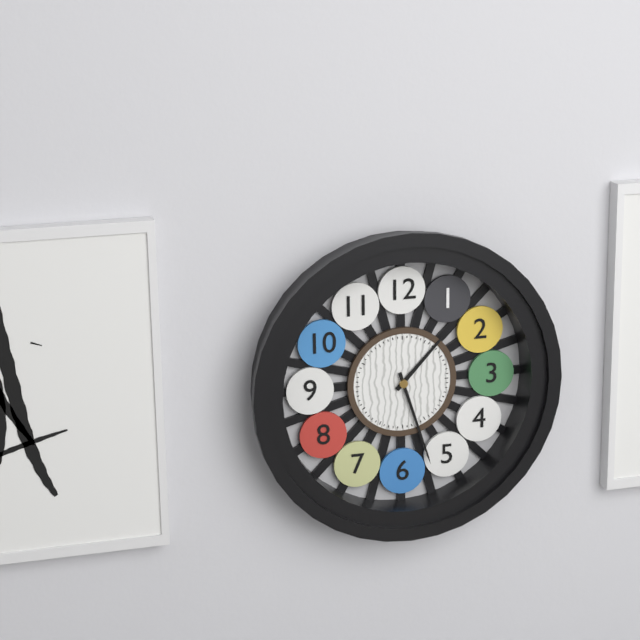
1:27
